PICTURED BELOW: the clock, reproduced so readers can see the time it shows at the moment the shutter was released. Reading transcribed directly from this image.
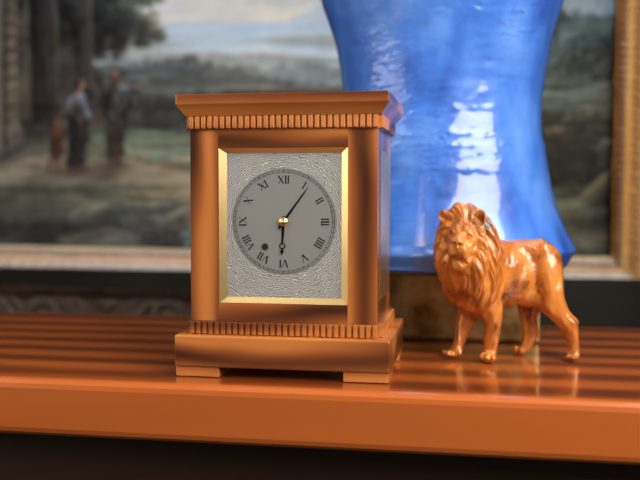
6:06
